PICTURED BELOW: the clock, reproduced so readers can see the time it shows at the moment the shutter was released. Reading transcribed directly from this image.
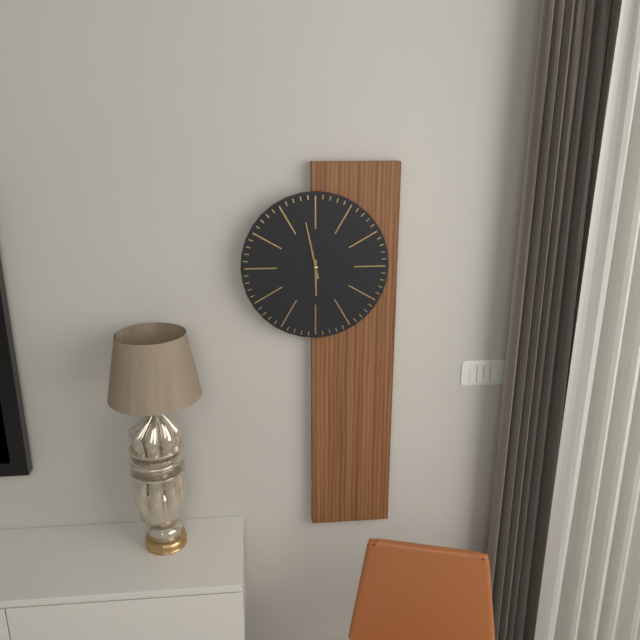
5:58
